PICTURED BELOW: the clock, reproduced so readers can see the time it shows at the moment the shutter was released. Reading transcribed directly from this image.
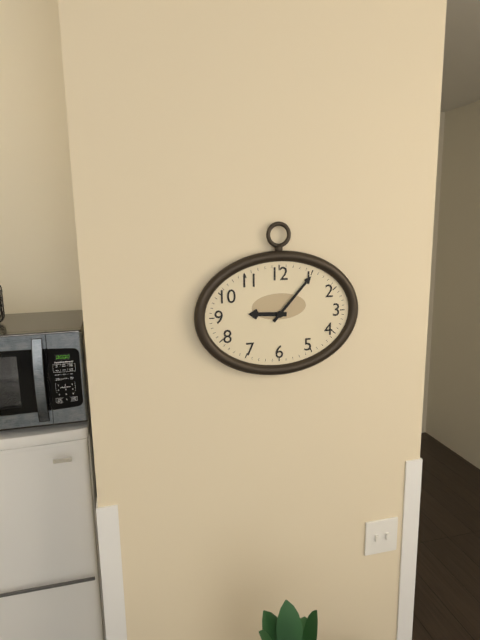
9:07
